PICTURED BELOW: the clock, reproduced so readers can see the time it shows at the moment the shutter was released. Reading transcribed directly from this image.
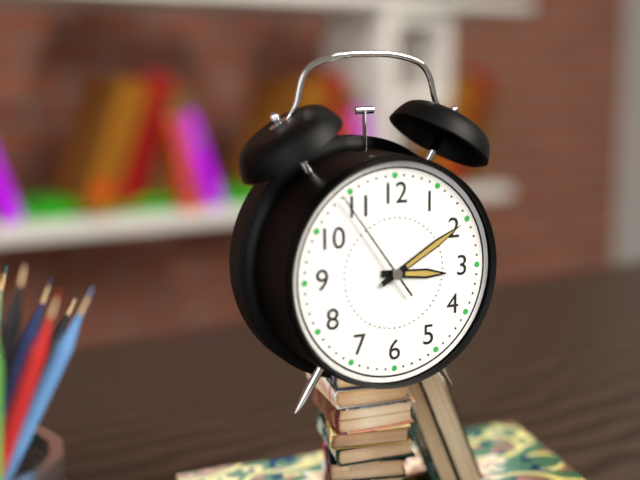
3:10:54
